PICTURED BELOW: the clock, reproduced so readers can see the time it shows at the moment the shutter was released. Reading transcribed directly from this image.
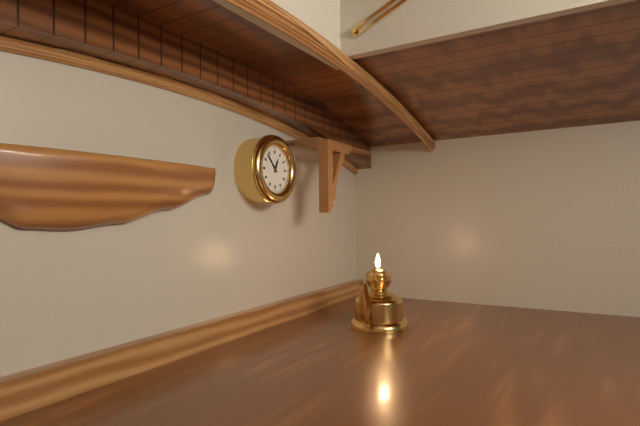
12:53
